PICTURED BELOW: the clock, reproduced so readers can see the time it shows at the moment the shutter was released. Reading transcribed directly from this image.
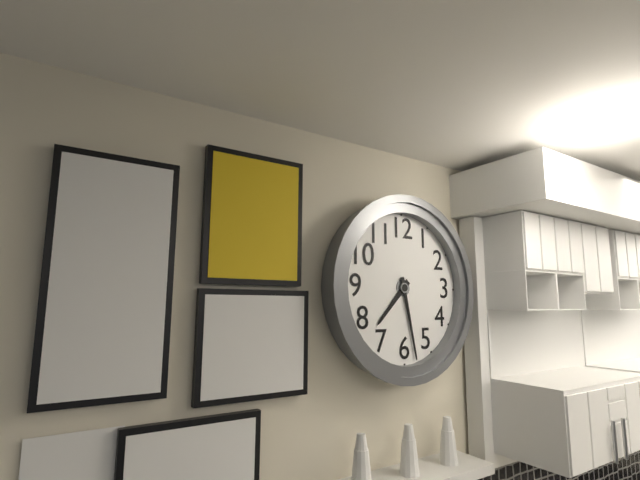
7:28
